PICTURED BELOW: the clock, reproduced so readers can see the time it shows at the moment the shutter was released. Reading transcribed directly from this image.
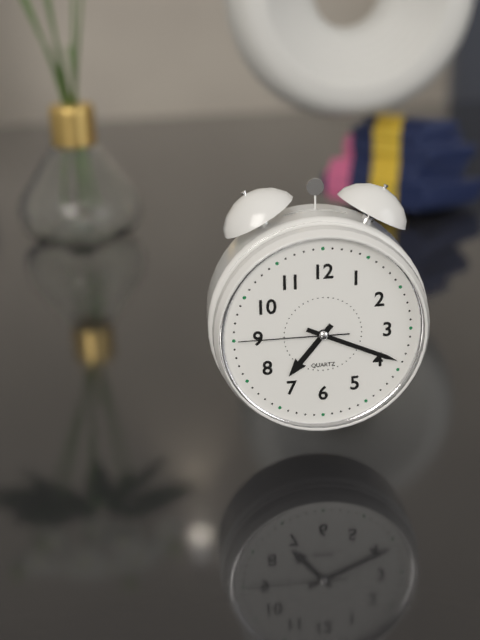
7:19:45
